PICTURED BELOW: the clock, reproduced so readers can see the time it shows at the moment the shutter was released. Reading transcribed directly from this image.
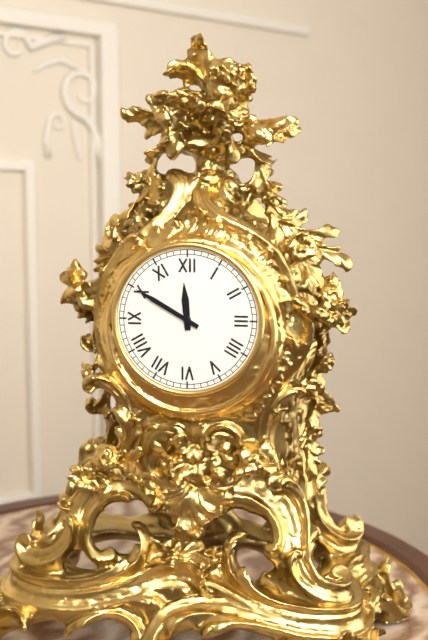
11:50
